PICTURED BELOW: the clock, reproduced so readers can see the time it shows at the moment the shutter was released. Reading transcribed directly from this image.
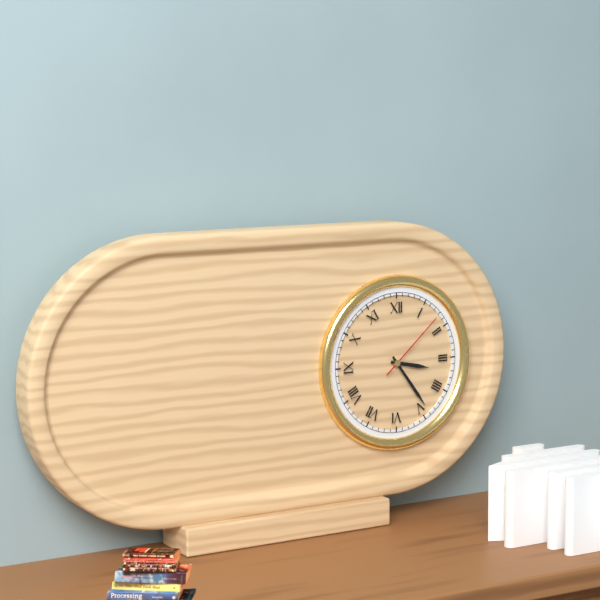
3:24:08
